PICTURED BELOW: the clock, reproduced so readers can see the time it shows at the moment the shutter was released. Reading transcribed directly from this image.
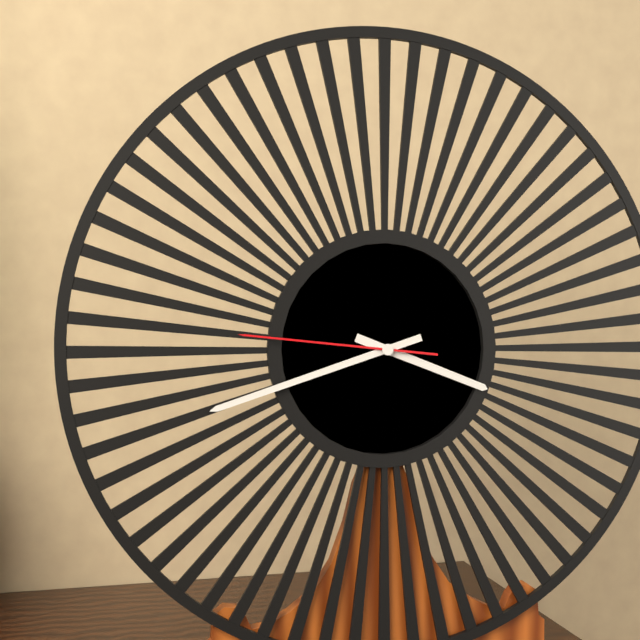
3:42:46
